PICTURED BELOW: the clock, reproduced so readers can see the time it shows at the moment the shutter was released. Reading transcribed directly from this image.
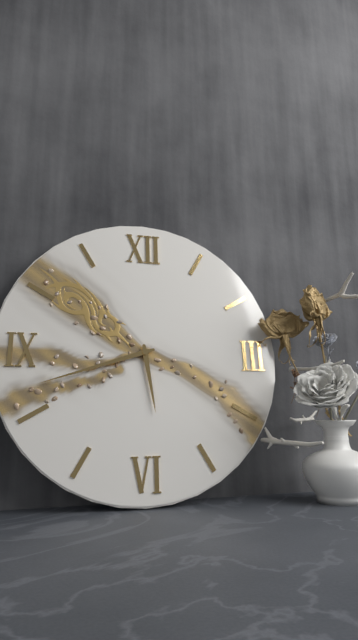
5:42
